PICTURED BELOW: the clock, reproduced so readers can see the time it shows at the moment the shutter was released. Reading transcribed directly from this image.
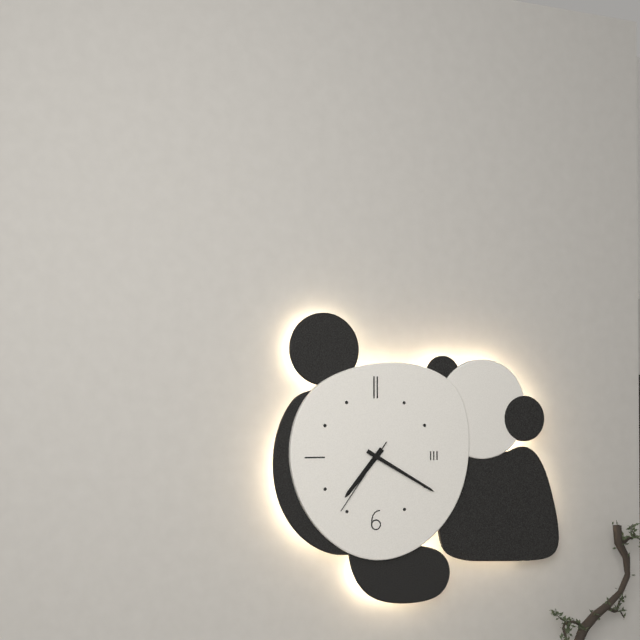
7:20:36
